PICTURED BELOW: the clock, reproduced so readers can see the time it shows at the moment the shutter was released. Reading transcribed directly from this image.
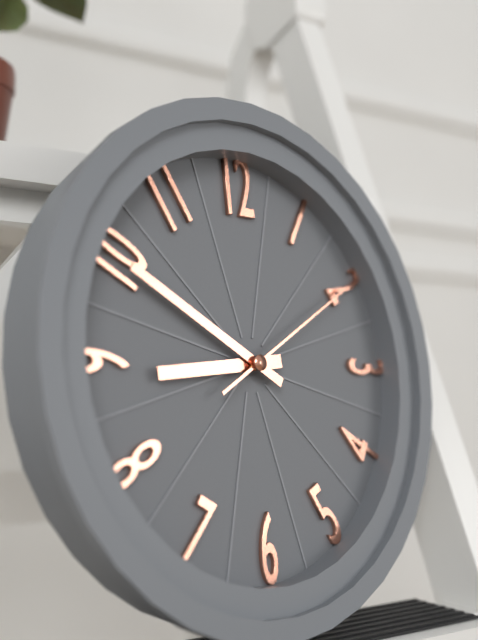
8:50:10
